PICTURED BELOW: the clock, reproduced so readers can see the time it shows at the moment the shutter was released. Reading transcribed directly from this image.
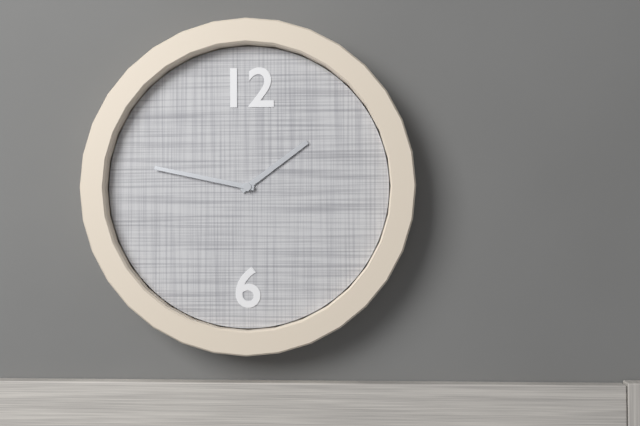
1:47
